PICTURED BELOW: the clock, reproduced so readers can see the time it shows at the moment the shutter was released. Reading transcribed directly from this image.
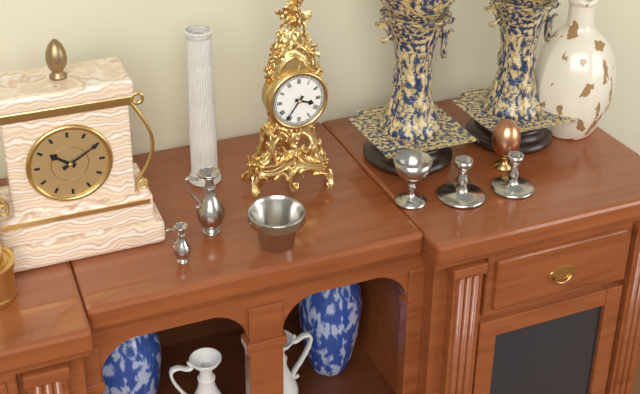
3:36
